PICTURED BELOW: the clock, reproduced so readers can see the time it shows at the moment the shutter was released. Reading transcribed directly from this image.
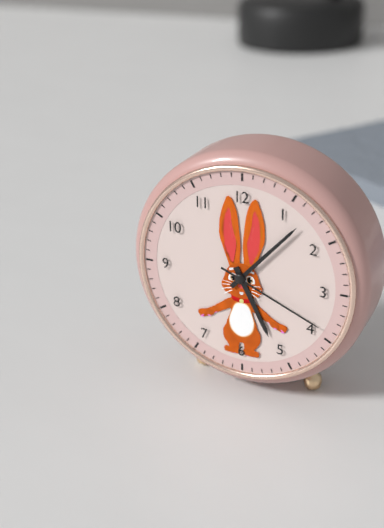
5:07:19
